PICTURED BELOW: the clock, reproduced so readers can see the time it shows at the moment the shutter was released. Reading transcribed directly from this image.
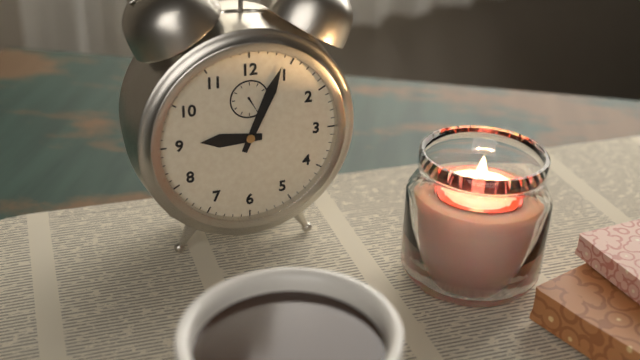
9:04
